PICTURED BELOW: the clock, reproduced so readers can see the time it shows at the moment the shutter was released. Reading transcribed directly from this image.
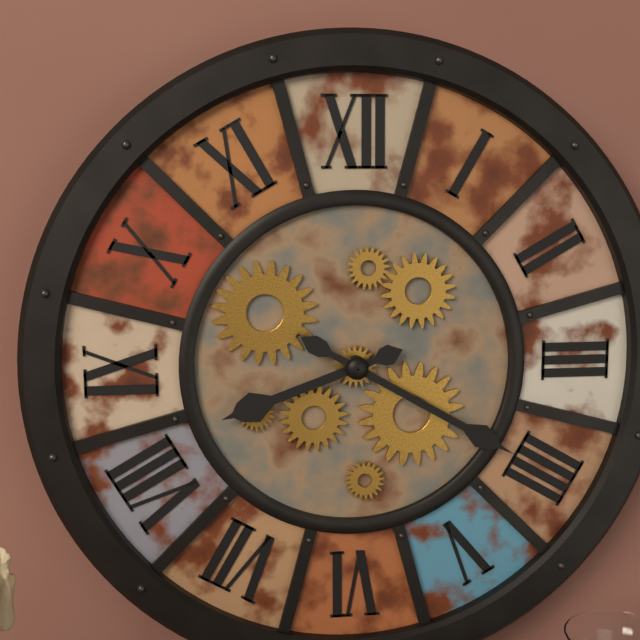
8:20
